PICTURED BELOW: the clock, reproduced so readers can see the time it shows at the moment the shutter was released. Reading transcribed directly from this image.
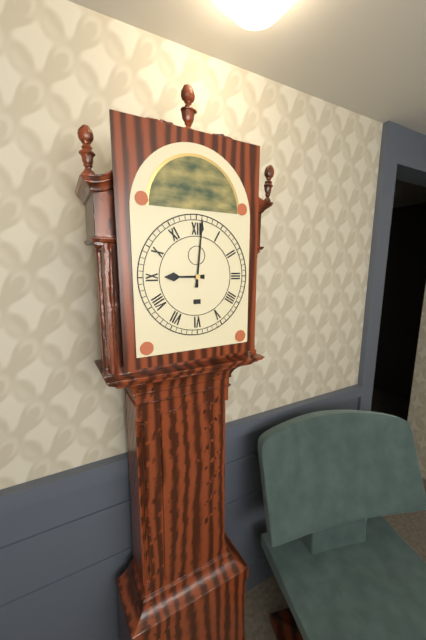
9:01
